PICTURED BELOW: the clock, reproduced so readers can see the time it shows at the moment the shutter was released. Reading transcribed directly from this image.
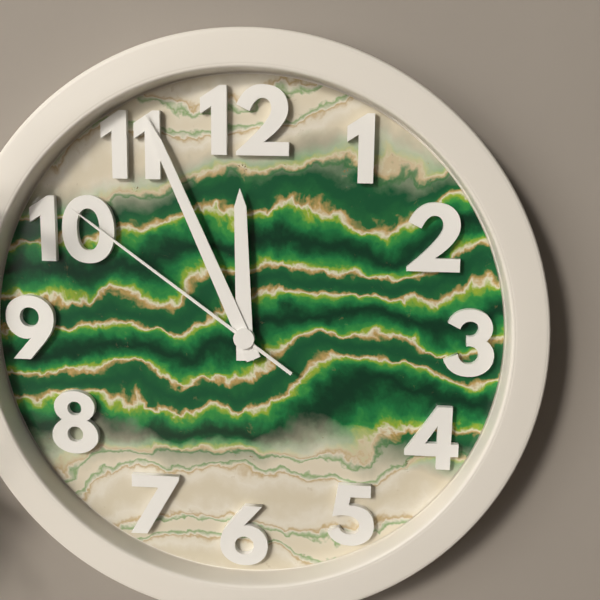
11:56:51
